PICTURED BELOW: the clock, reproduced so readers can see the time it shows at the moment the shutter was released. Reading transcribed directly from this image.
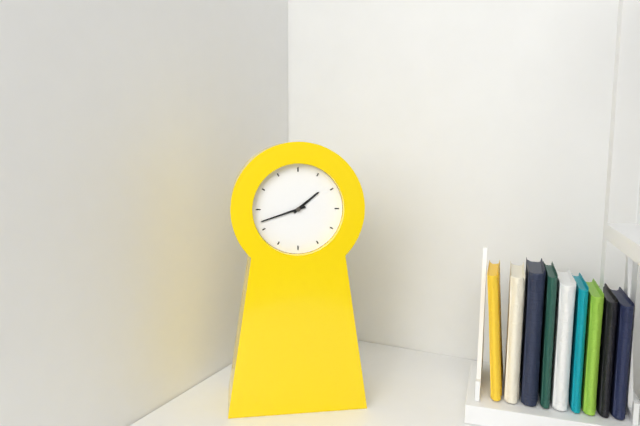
1:42
